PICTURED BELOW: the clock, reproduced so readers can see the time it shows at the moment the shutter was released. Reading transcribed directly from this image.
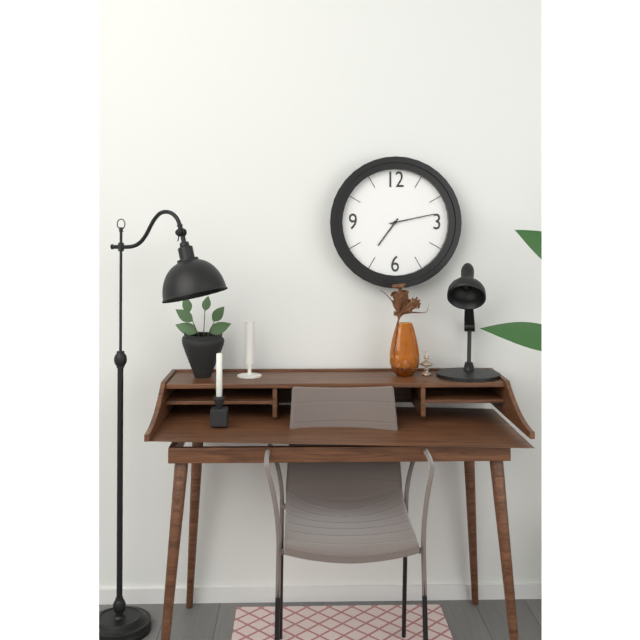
7:13
